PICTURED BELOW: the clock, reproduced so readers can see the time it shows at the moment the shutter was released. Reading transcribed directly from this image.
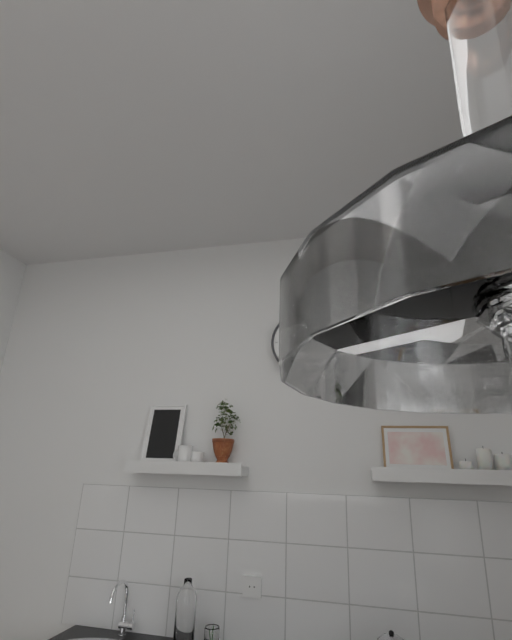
6:07
